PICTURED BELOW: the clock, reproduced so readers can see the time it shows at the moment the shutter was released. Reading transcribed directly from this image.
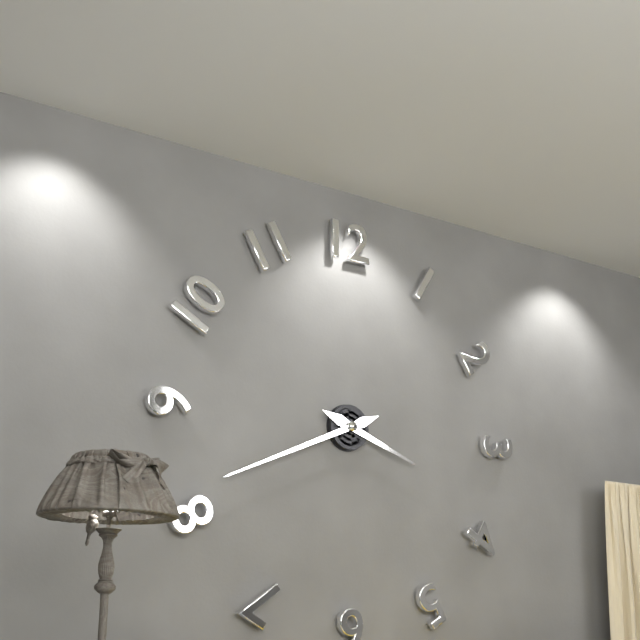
3:41
